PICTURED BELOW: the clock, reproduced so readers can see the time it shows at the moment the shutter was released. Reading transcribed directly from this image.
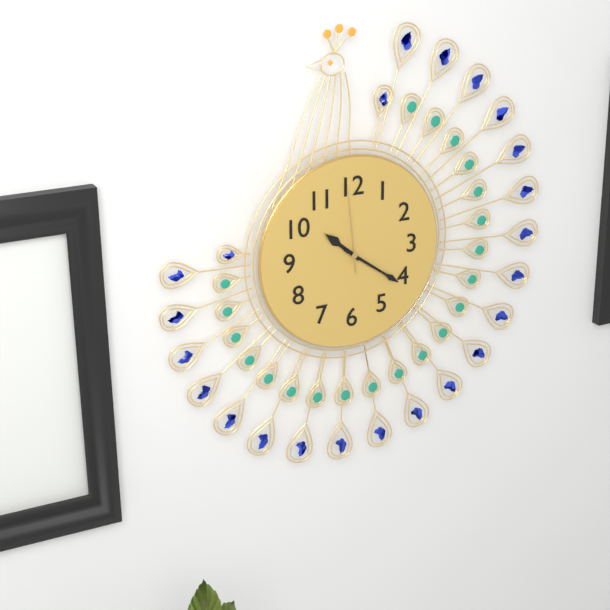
10:21:59
